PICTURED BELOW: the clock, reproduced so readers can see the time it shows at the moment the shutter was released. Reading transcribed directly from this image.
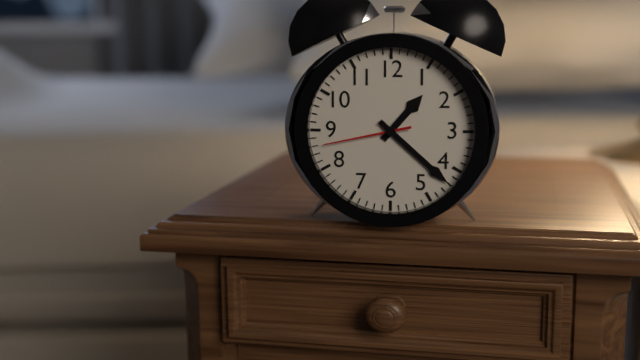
1:22:43
